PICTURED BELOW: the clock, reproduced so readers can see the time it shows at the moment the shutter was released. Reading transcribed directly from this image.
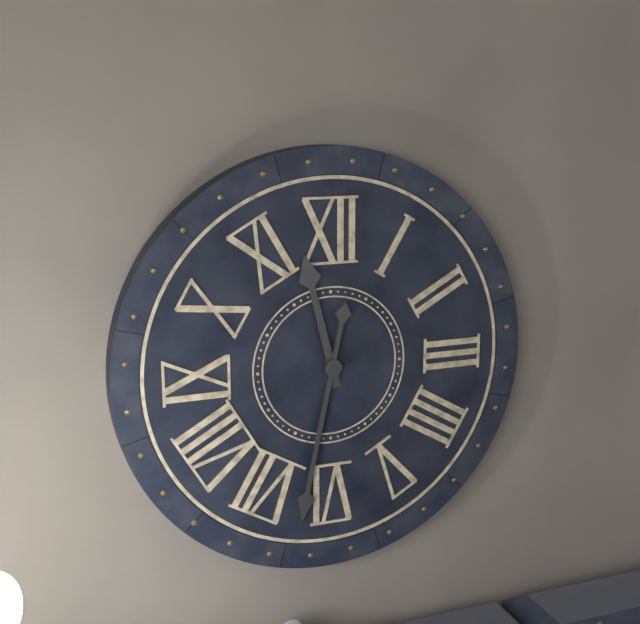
11:32
